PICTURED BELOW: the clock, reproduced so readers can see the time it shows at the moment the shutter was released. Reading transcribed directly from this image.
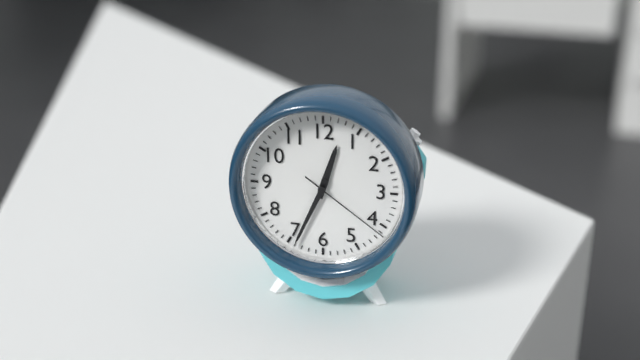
12:34:21
